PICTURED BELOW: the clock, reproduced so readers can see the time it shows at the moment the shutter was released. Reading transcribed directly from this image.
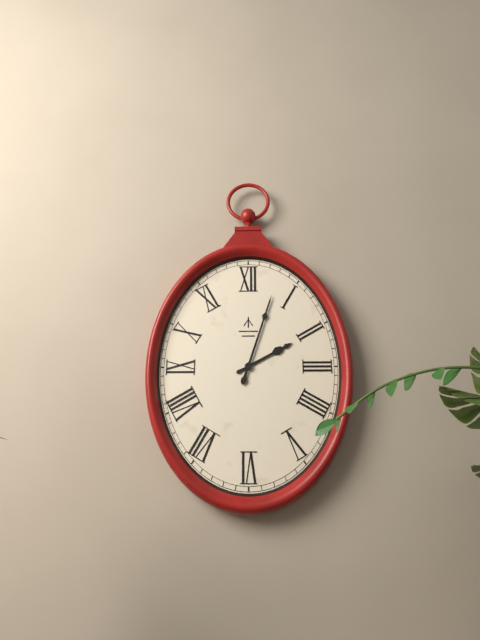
2:03
